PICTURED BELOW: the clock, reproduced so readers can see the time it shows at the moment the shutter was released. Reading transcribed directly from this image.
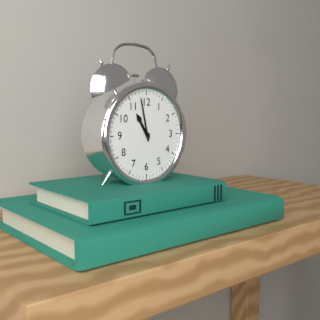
10:58
